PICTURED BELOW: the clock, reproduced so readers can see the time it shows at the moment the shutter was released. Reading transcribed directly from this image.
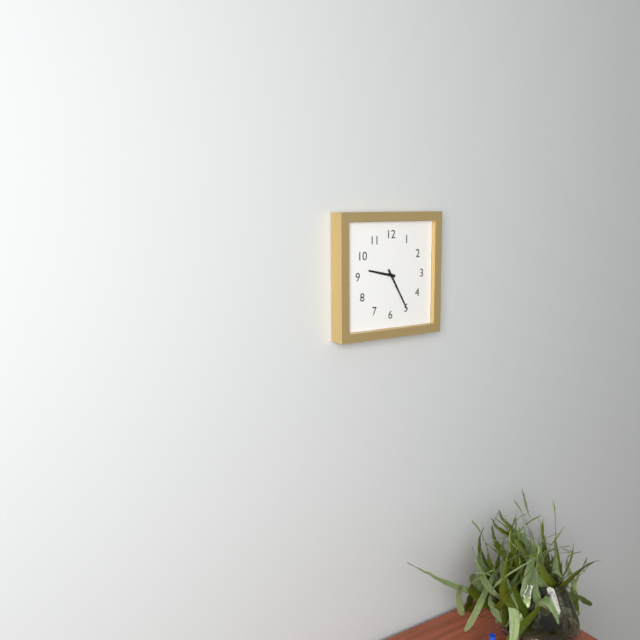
9:25
